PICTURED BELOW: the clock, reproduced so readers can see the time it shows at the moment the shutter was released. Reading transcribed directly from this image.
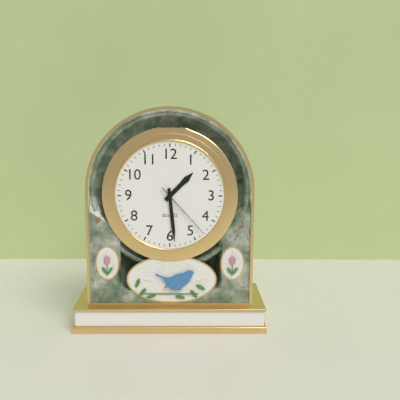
1:29:23
